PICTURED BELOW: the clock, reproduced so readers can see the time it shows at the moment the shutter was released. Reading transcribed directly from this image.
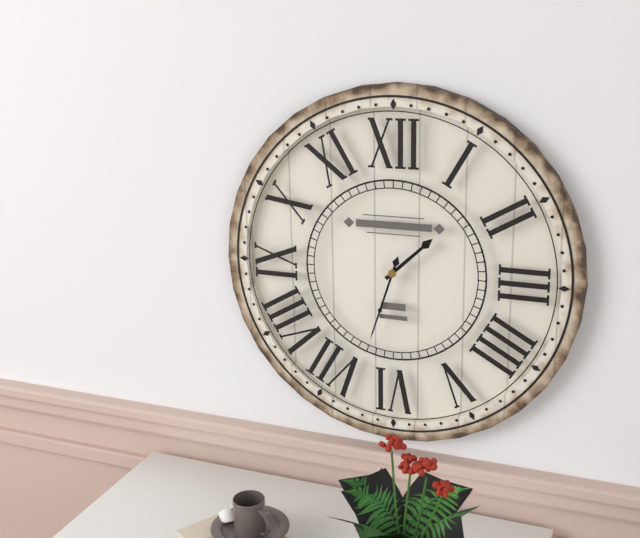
1:33
